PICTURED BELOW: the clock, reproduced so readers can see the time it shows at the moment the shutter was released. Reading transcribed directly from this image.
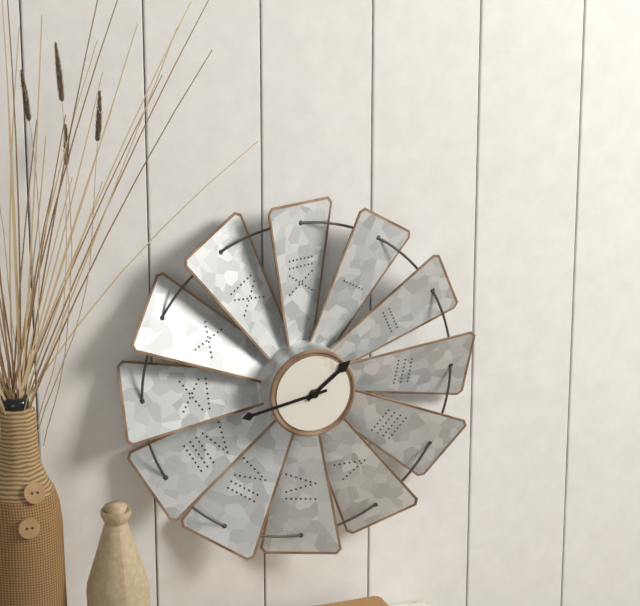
1:43
